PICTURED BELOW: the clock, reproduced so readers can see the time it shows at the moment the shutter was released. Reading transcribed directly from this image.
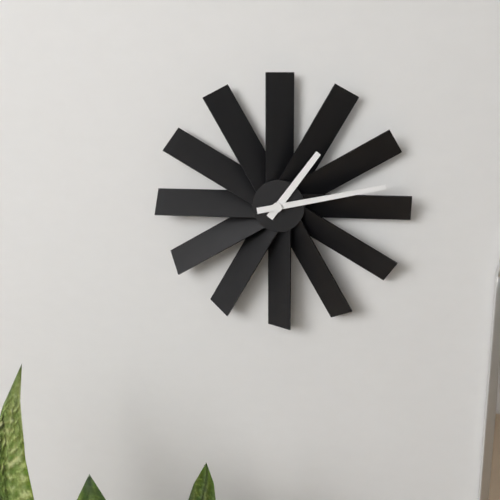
1:13
